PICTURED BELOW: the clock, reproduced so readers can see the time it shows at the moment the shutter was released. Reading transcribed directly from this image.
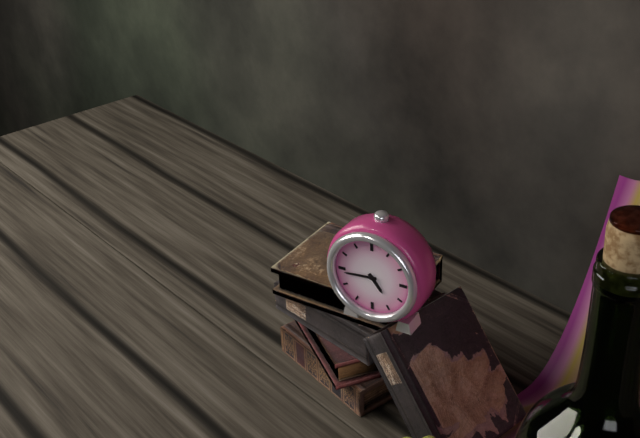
4:44
